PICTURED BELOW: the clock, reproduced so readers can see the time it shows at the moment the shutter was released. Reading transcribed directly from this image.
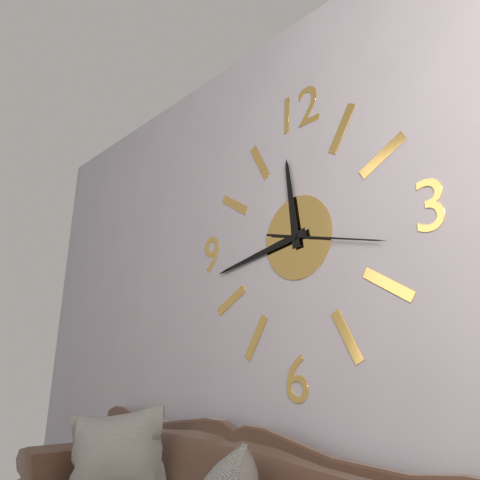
11:43:17
